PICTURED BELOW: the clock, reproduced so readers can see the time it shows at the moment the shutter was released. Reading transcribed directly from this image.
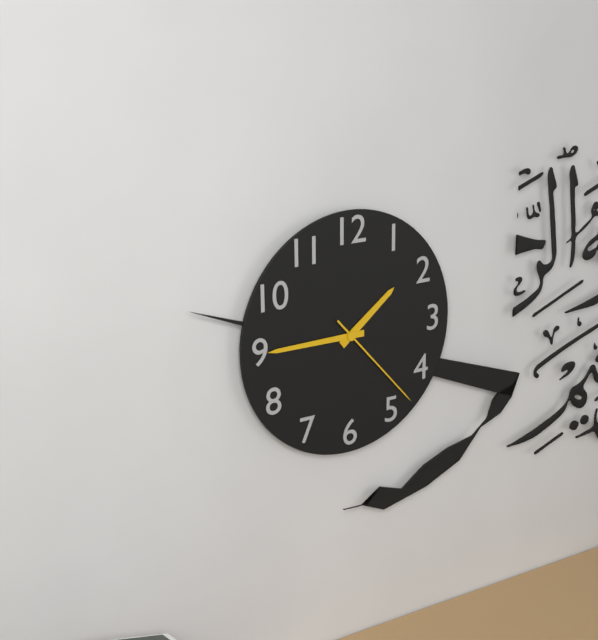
1:45:23
